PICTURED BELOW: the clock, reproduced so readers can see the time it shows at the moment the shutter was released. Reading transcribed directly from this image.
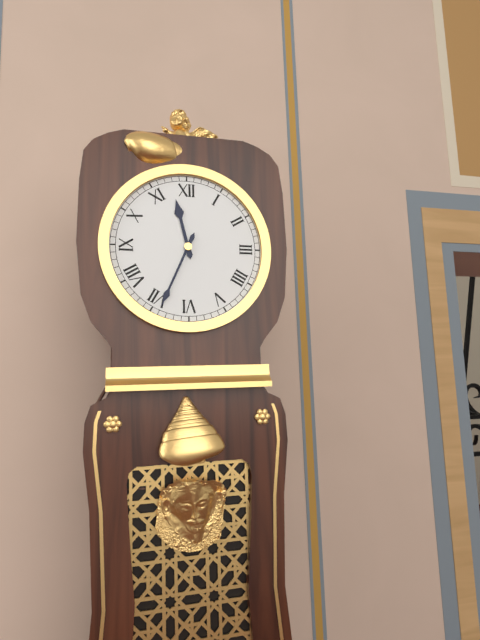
11:34
